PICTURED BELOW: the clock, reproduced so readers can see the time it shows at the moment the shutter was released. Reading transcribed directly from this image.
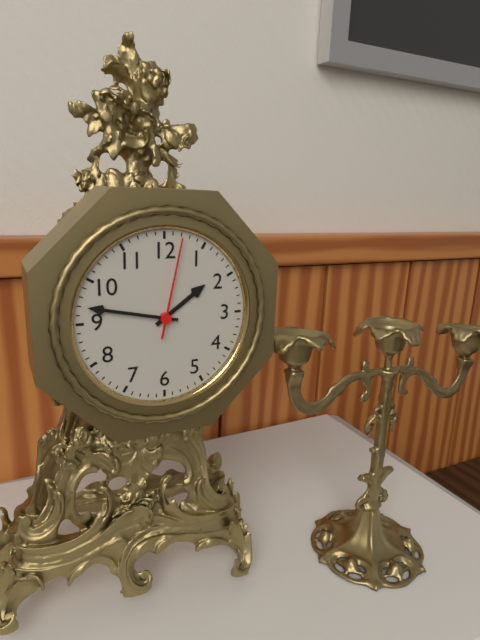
1:47:02
